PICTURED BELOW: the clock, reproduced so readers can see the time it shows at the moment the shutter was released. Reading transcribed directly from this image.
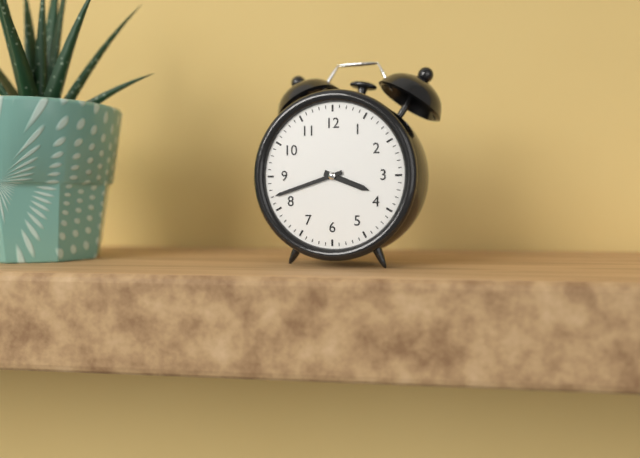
3:42
